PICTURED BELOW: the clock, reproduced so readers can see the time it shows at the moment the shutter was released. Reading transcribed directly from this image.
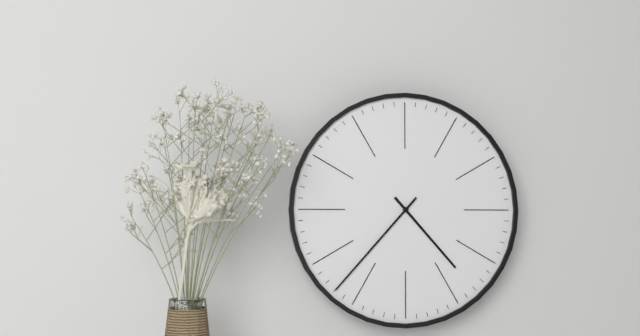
4:37
